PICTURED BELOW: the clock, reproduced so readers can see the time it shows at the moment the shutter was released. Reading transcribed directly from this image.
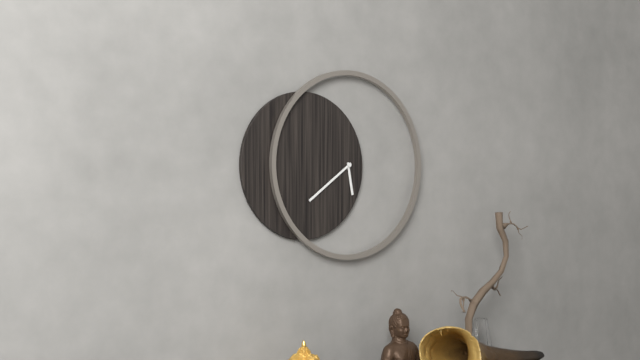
5:39
